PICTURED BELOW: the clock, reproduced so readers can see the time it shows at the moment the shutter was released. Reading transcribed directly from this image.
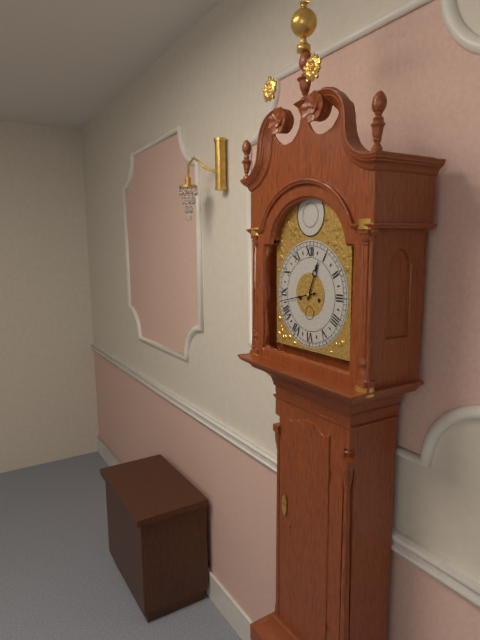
12:43
